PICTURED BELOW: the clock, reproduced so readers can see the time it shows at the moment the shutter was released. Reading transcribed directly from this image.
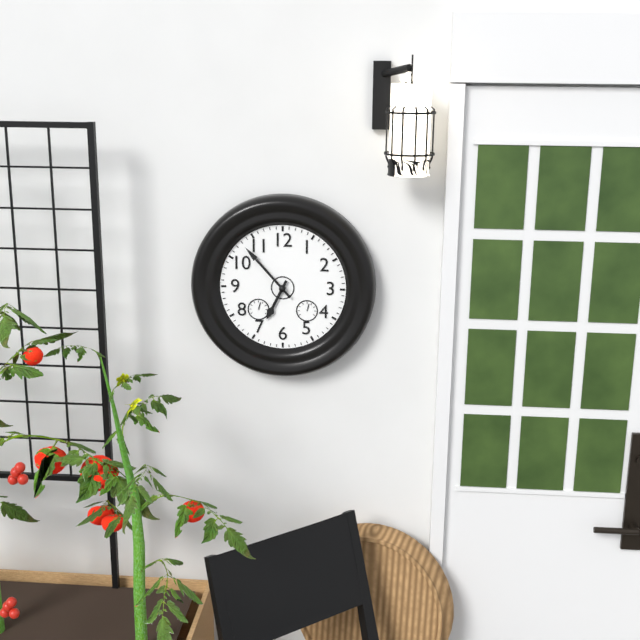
6:53
